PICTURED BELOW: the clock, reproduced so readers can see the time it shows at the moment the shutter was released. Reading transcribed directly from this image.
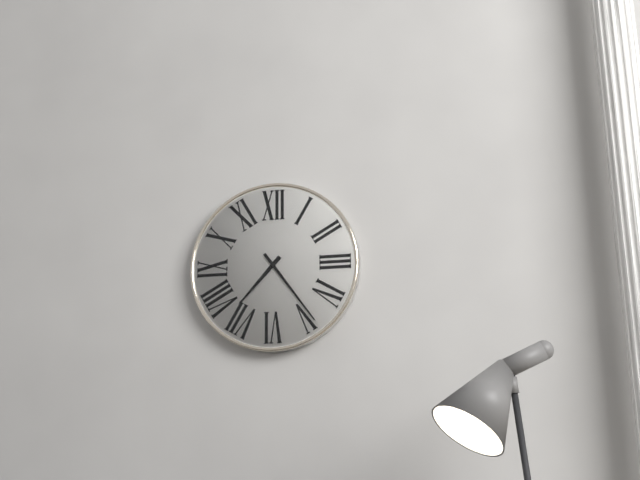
7:24
